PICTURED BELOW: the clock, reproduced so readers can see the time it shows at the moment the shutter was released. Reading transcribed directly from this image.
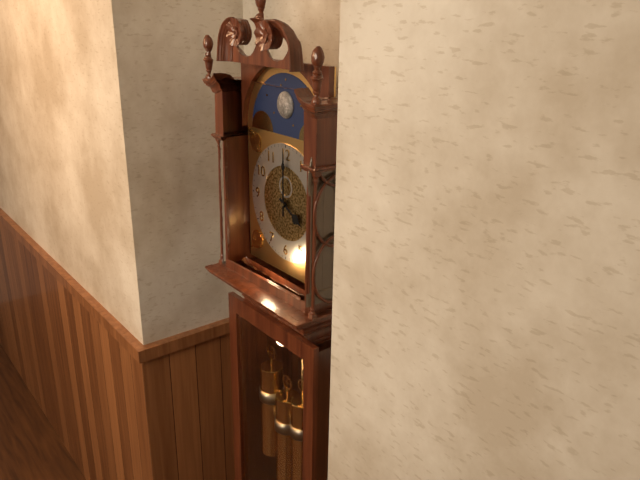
4:00
